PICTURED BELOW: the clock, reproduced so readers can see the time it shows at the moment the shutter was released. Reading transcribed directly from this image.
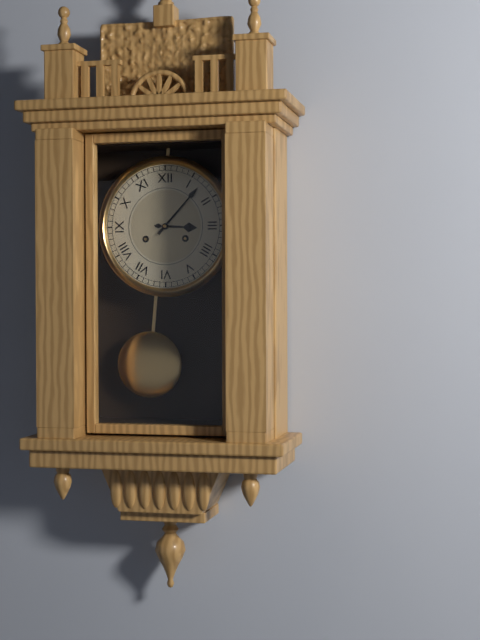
3:07
